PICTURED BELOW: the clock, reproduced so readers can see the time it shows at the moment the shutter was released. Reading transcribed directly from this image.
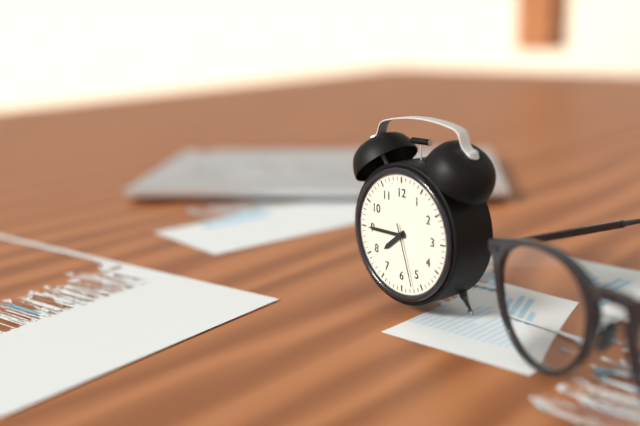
7:45:27
